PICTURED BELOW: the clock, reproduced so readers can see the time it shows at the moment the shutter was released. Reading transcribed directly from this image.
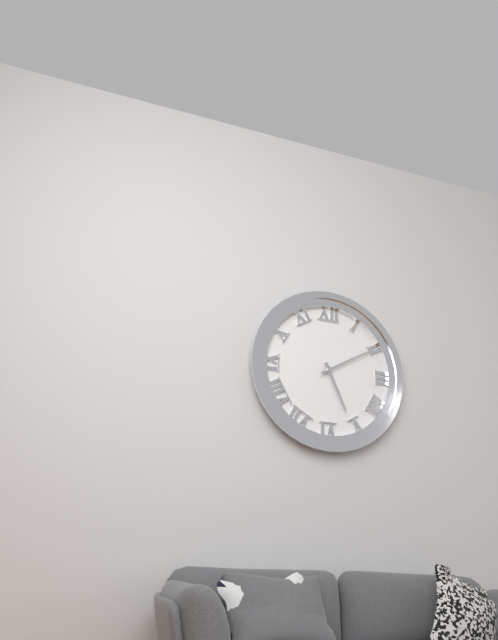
5:10
